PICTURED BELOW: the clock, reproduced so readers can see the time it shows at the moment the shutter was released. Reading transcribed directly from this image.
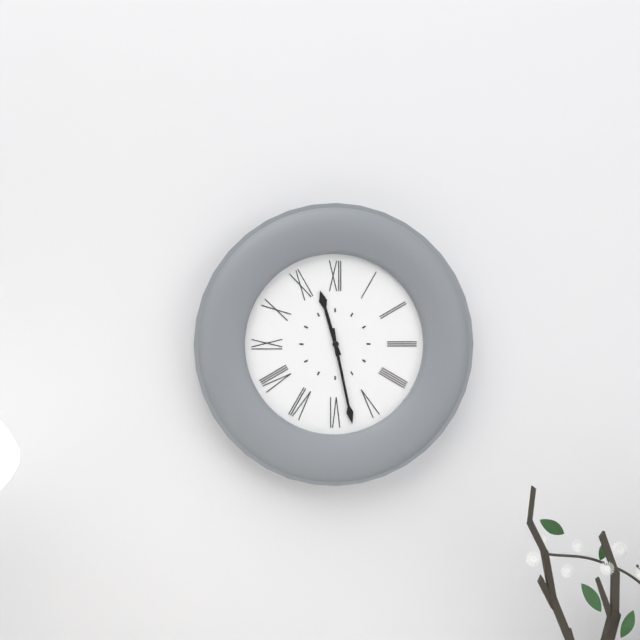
11:28
